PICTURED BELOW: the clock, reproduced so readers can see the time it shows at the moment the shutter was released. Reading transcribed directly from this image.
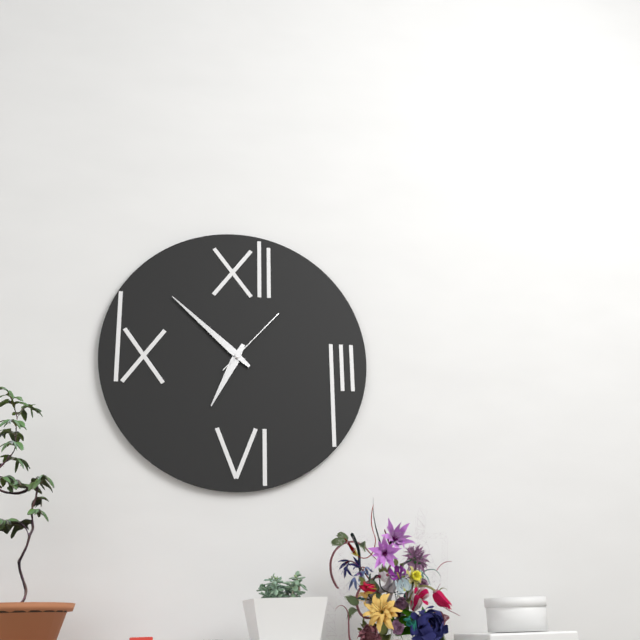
6:52:07
